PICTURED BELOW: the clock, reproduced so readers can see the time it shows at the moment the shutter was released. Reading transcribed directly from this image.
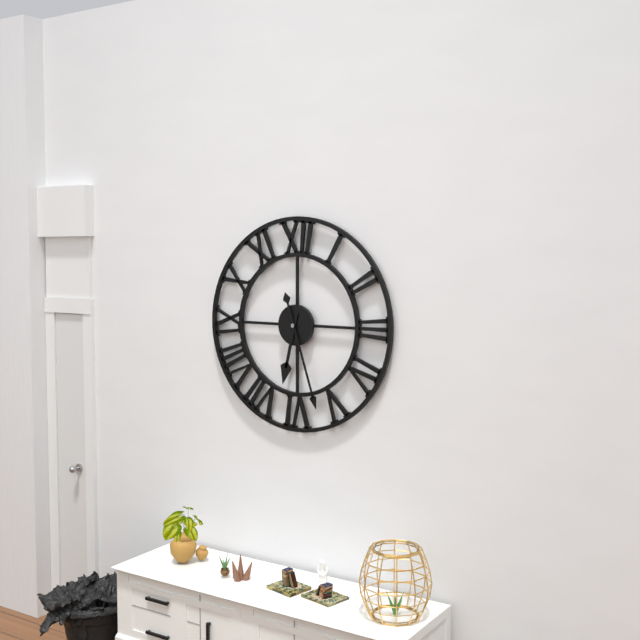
6:27
